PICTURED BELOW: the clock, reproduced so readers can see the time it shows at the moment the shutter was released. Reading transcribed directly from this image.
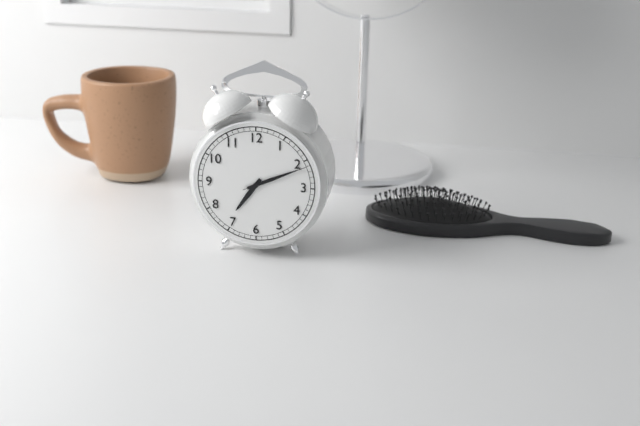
7:11:11
